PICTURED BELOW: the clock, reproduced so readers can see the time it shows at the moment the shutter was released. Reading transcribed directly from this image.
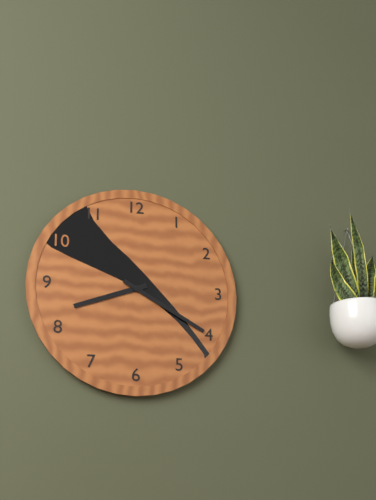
8:20
